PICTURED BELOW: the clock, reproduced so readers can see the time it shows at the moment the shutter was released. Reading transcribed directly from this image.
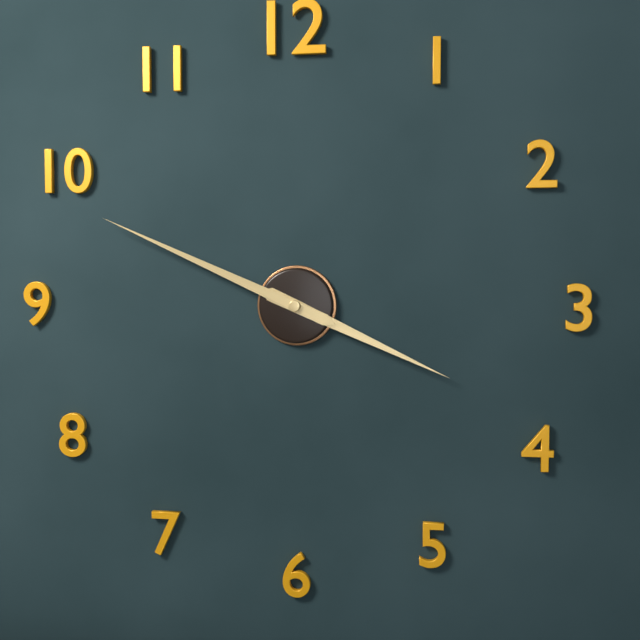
3:49
